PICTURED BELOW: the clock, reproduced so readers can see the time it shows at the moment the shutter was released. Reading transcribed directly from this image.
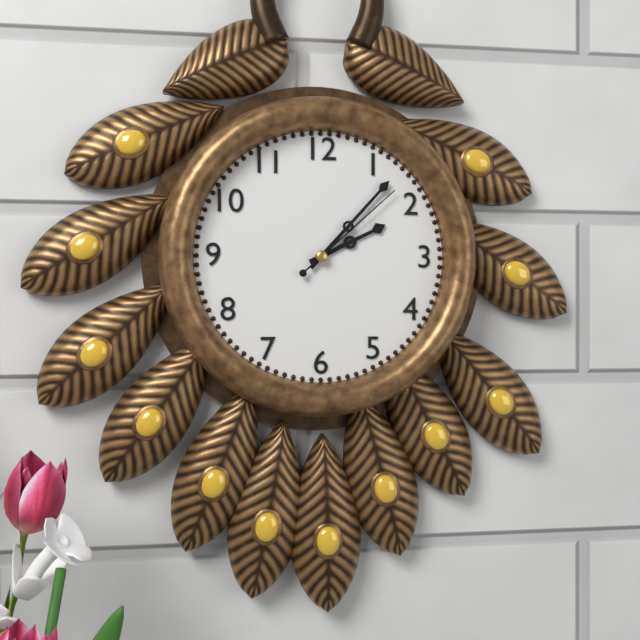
2:07:08
